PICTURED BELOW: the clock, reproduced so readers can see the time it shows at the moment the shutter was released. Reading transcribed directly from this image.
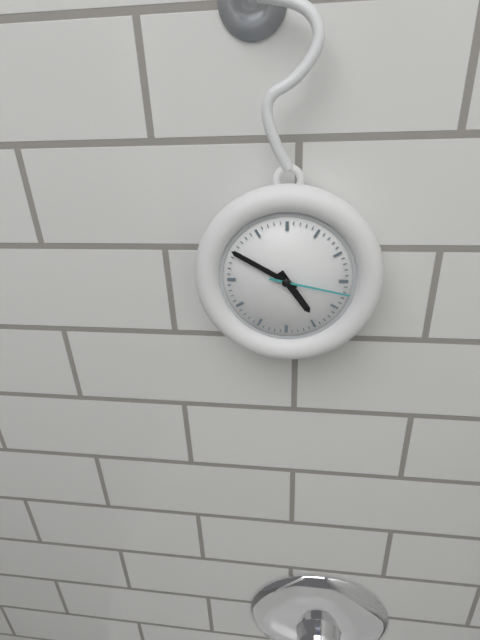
4:50:17
